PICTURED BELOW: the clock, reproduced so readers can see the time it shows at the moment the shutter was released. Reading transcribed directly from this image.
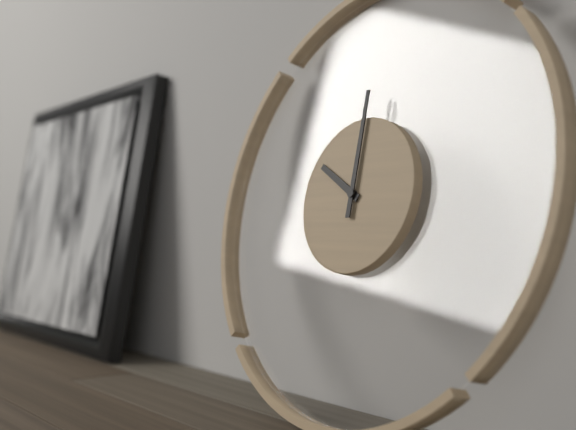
10:00
